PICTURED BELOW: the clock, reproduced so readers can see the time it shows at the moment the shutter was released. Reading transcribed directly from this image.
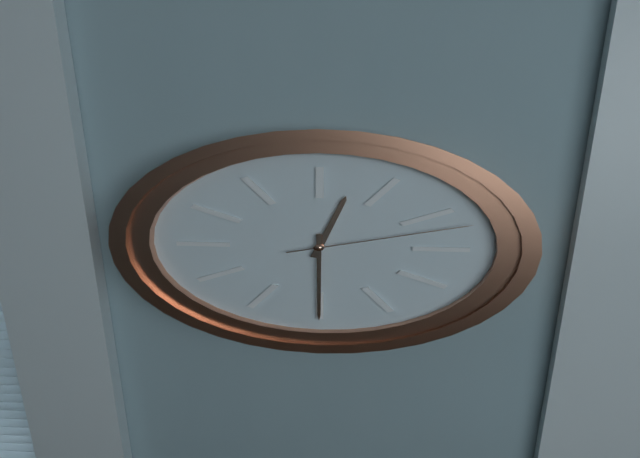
12:30:12
